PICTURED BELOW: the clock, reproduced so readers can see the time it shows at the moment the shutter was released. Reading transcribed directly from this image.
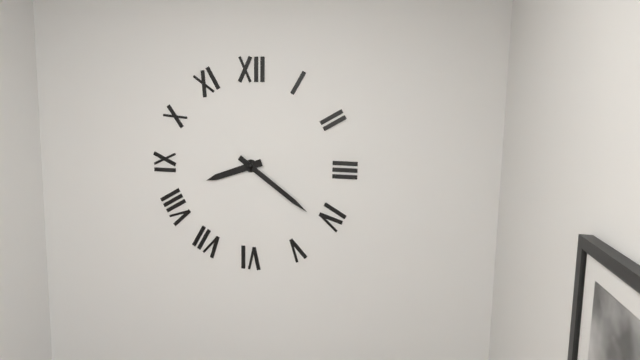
8:21
